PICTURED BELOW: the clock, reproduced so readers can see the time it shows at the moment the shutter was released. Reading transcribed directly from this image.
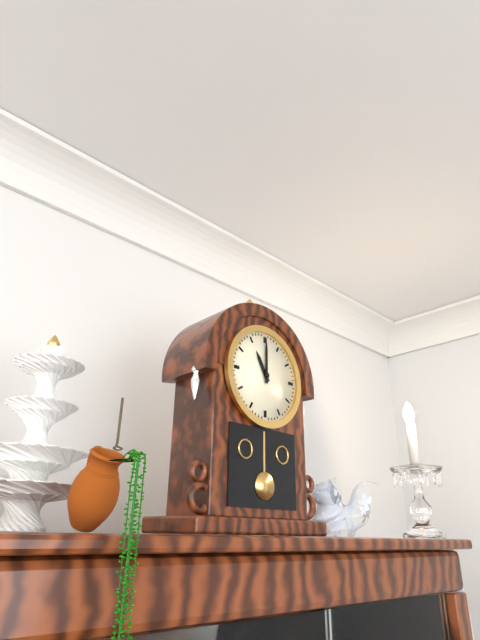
11:00
